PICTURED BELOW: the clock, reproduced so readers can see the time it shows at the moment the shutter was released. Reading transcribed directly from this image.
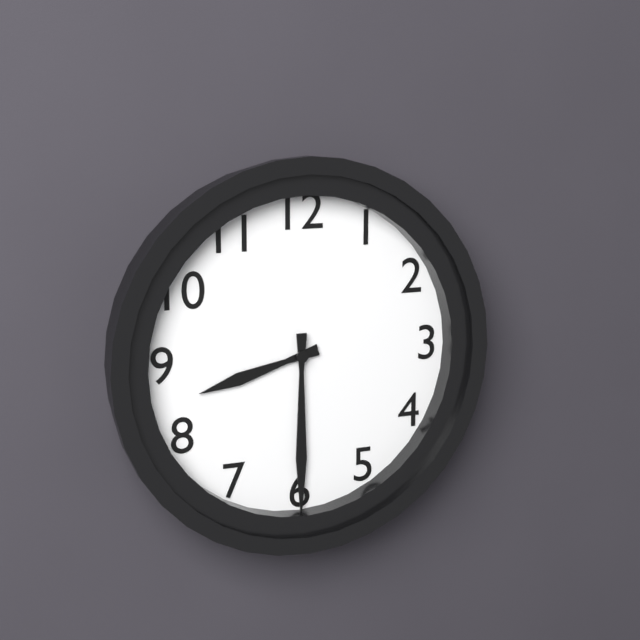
8:30
